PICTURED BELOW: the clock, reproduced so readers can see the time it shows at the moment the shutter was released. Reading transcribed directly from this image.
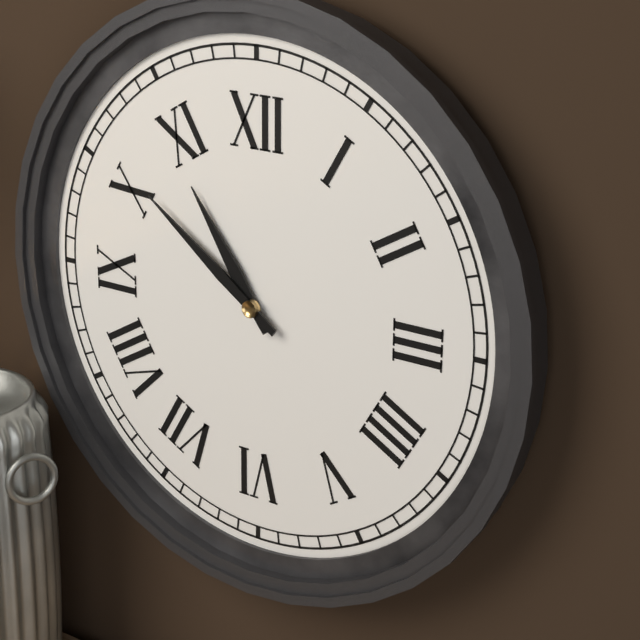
10:51
